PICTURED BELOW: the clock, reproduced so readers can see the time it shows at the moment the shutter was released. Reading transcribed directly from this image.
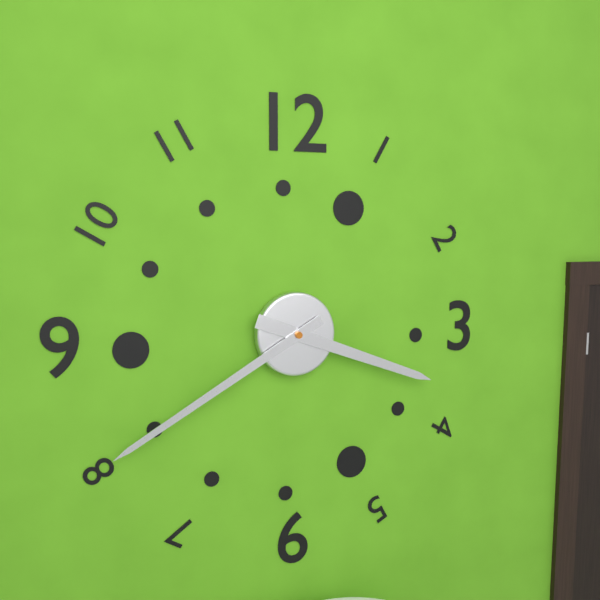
3:40
